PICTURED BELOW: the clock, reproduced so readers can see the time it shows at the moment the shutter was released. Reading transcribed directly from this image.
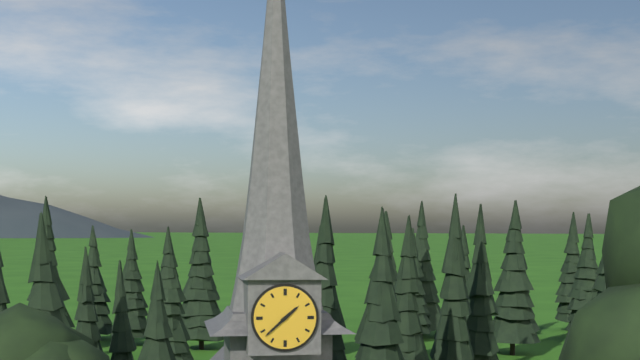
1:38
